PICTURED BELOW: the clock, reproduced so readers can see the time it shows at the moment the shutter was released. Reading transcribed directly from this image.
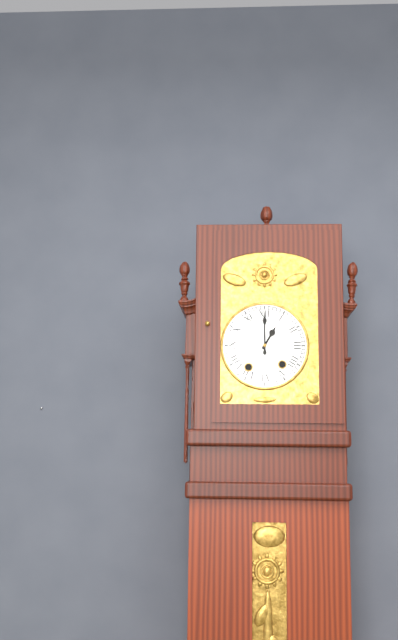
1:00
